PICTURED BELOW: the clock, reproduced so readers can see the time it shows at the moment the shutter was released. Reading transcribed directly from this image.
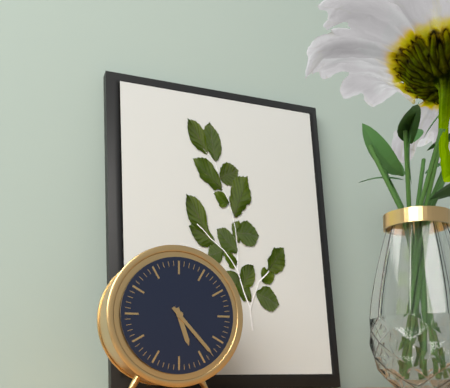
5:23
